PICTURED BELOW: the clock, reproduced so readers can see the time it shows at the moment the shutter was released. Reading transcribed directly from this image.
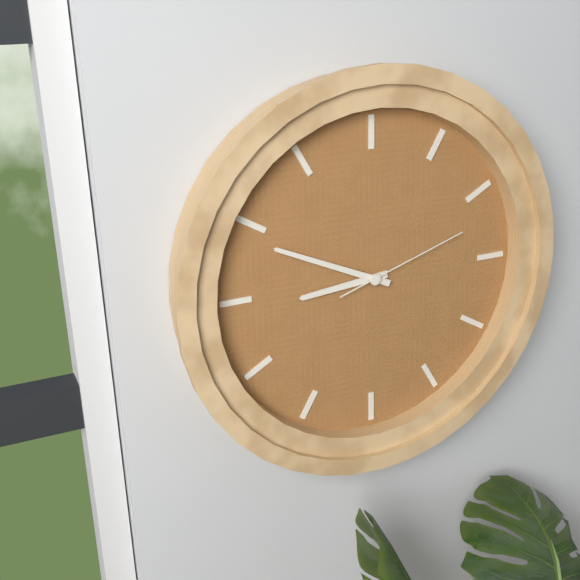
8:49:12
